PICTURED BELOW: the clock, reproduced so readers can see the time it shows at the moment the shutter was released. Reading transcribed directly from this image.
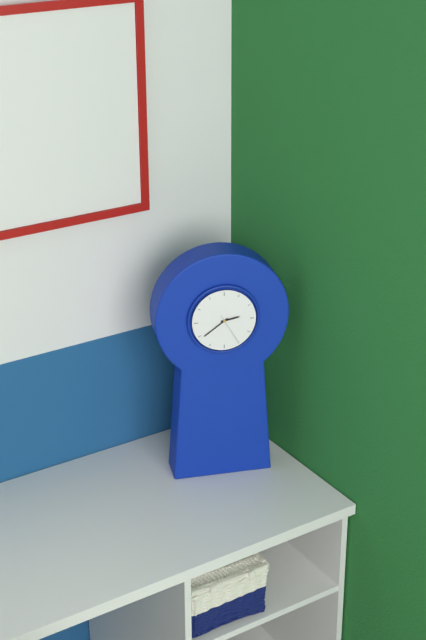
2:39
